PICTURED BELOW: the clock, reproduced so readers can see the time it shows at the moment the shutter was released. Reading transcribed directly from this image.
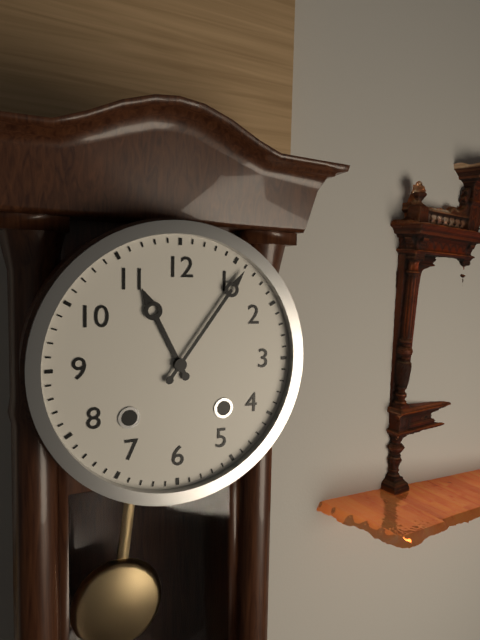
11:06
